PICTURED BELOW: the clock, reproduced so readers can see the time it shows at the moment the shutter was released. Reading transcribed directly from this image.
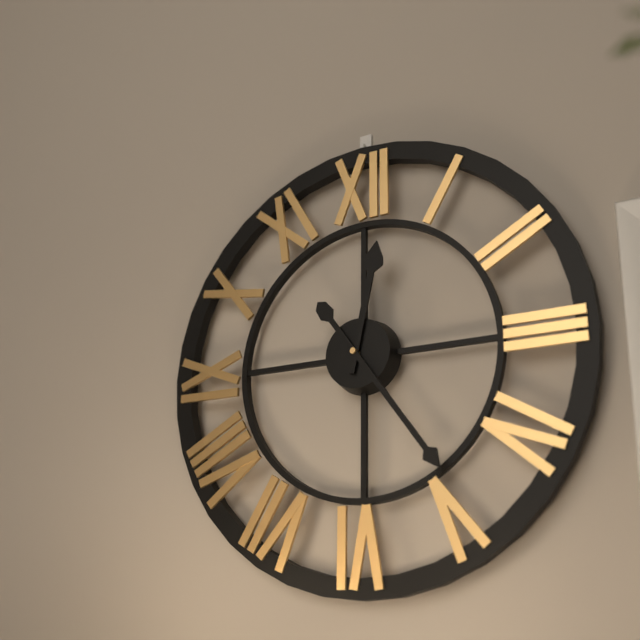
12:24
